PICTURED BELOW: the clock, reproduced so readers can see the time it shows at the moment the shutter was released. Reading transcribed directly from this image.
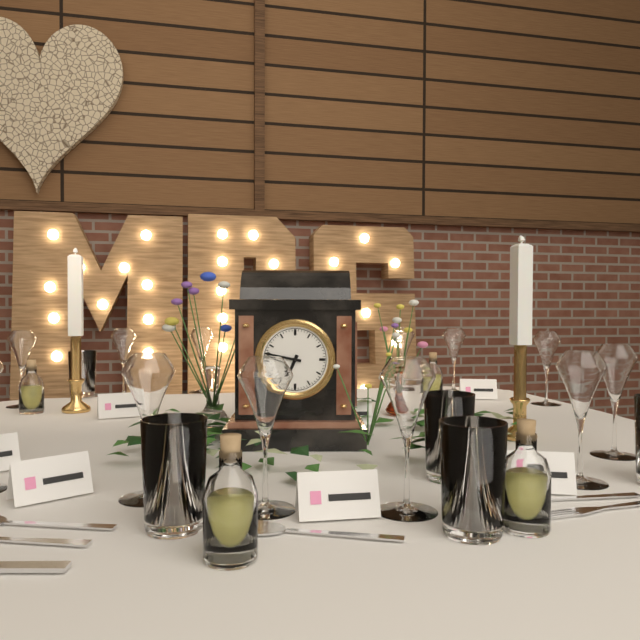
6:47
